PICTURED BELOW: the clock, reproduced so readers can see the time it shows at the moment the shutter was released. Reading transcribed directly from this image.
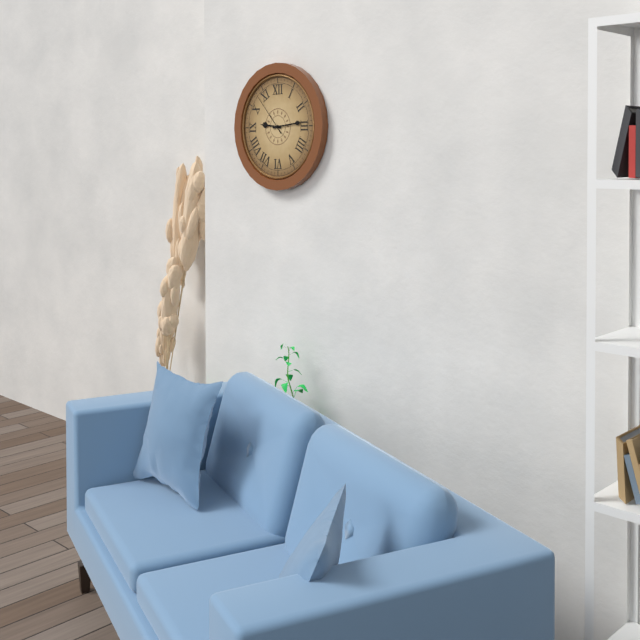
9:14
